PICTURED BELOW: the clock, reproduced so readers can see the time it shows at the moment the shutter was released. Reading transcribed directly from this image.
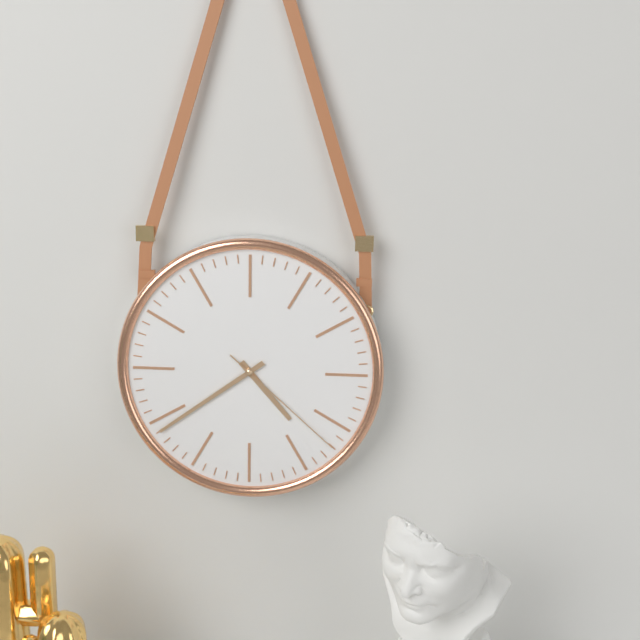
4:39:22
